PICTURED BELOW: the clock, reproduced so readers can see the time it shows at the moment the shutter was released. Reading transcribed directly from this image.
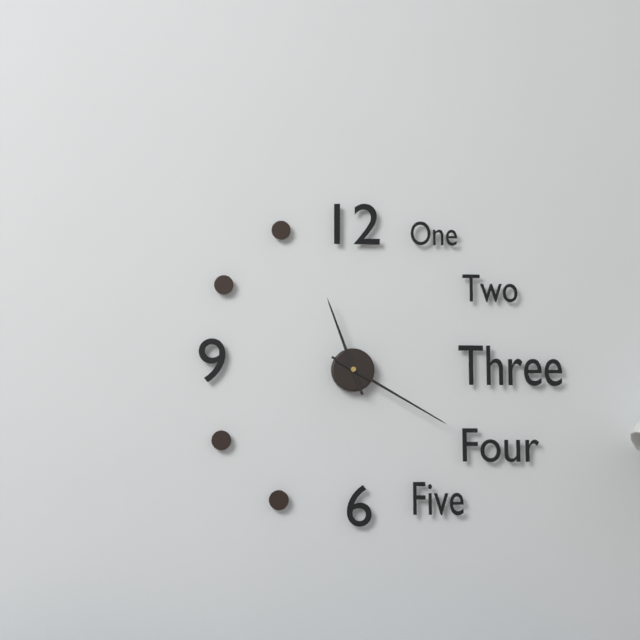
11:20
